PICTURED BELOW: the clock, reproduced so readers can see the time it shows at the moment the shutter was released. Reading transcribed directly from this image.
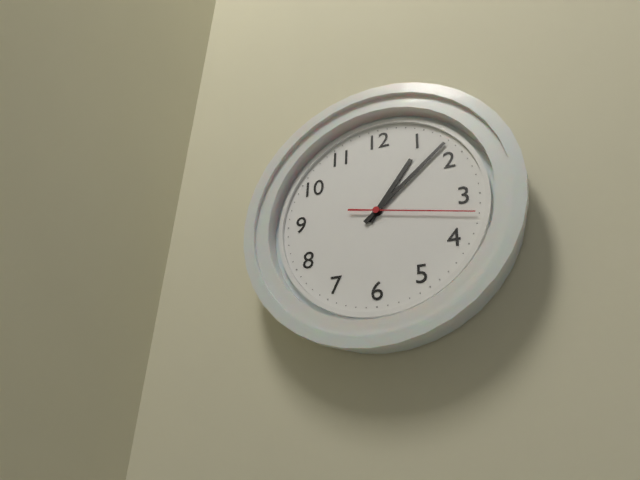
1:08:17
